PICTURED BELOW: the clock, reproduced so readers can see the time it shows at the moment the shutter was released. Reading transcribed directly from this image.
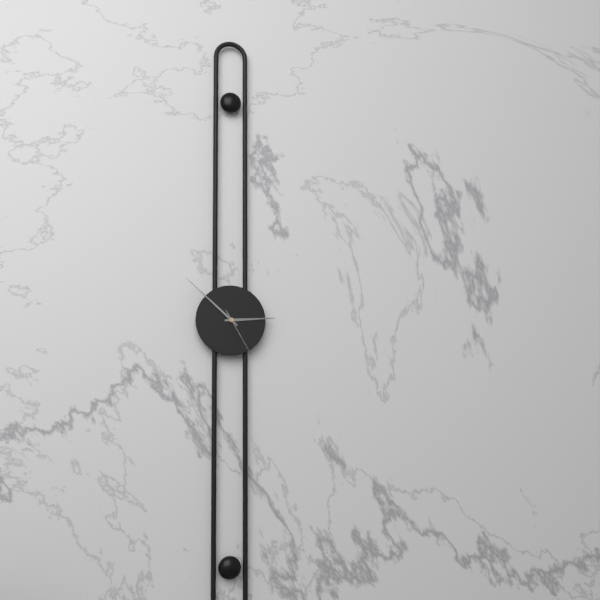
2:52
